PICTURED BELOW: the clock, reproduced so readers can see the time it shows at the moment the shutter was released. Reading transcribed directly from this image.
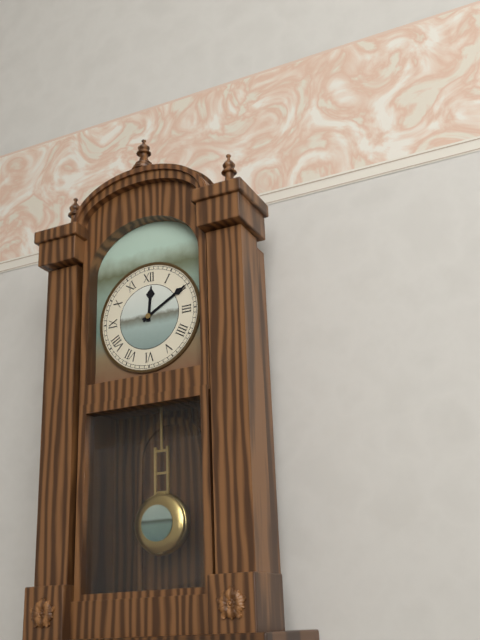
12:10
